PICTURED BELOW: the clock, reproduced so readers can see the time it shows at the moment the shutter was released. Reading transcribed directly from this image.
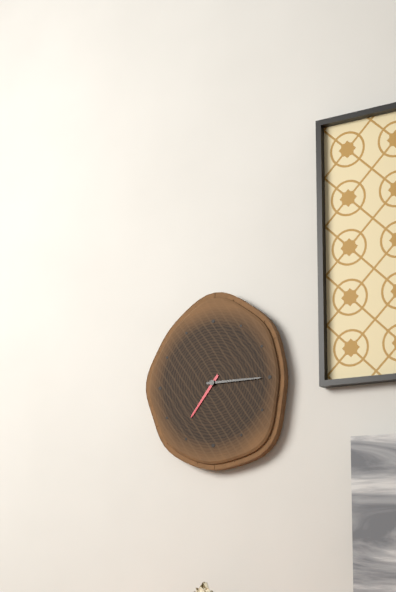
7:15
